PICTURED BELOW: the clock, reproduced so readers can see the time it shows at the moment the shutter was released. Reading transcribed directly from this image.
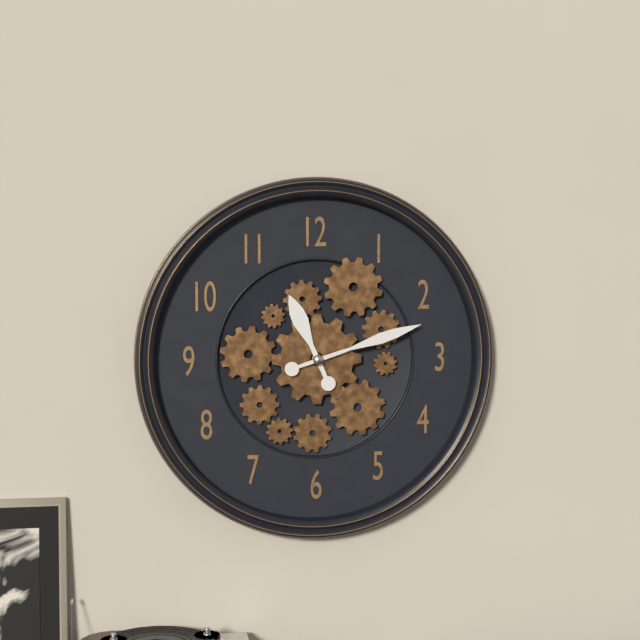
11:12
